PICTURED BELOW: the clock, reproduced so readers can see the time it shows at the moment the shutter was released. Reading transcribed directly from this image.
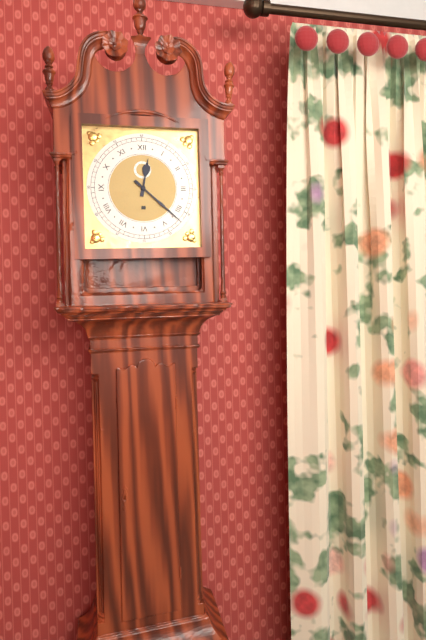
12:22
